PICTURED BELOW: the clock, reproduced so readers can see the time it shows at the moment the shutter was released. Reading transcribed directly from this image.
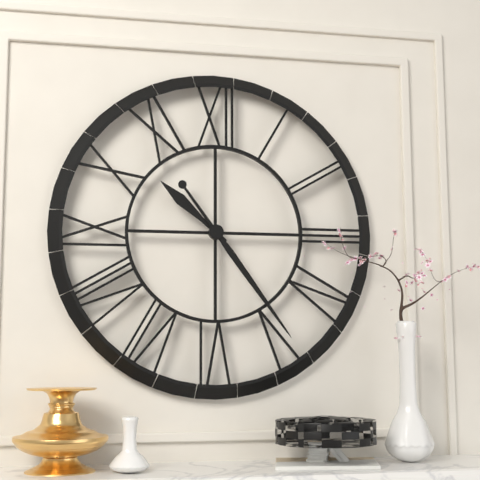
10:24
